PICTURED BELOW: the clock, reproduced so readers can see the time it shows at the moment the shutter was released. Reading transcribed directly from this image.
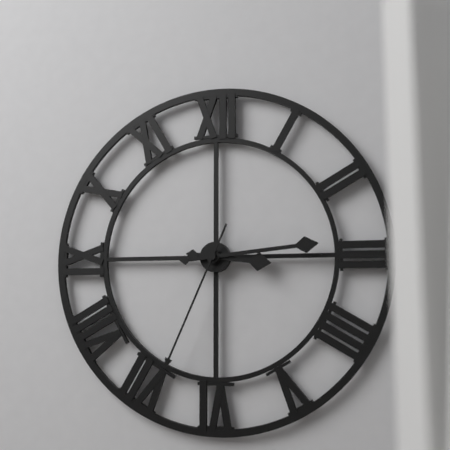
3:14:34
